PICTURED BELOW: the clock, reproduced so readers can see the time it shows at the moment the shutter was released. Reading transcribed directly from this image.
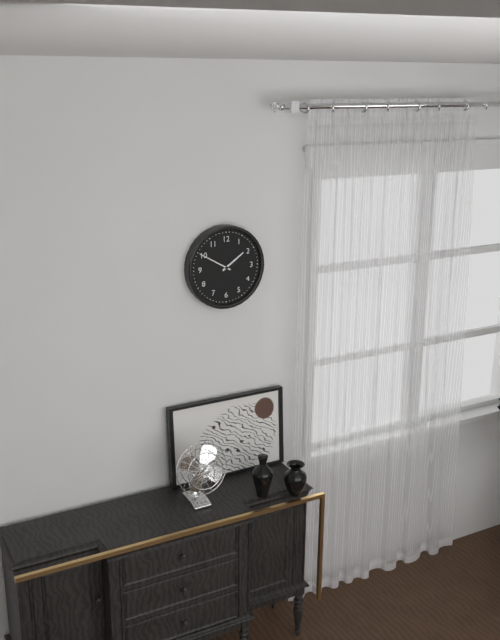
1:50
